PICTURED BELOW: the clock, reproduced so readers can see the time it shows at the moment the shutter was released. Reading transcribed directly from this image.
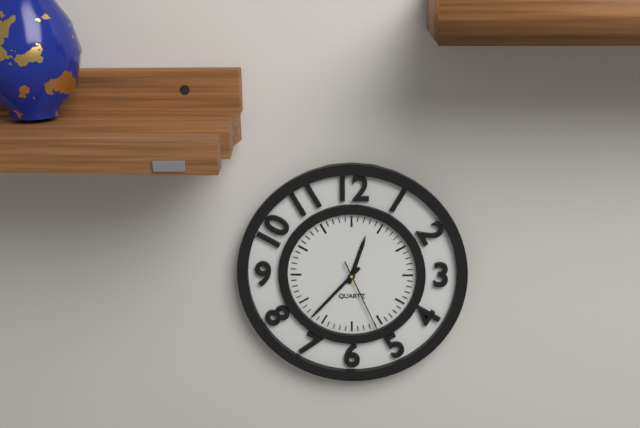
12:37:26
